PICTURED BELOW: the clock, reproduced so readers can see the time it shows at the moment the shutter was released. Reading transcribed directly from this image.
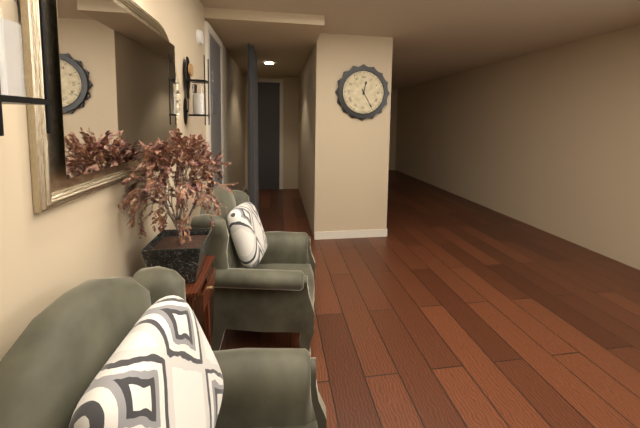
12:25
